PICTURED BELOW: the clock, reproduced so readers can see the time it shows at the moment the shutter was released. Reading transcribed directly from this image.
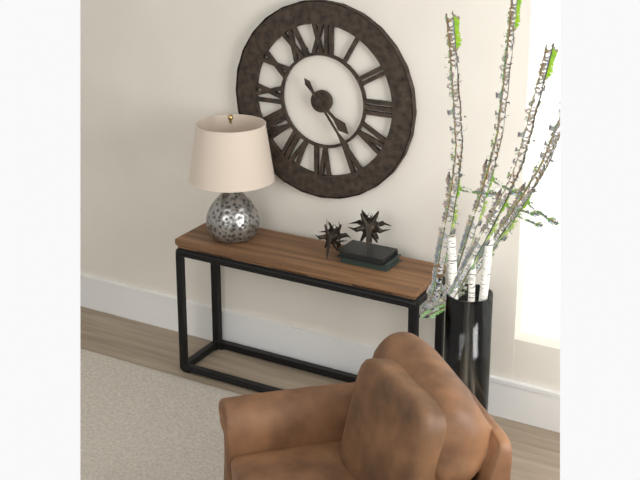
4:24
